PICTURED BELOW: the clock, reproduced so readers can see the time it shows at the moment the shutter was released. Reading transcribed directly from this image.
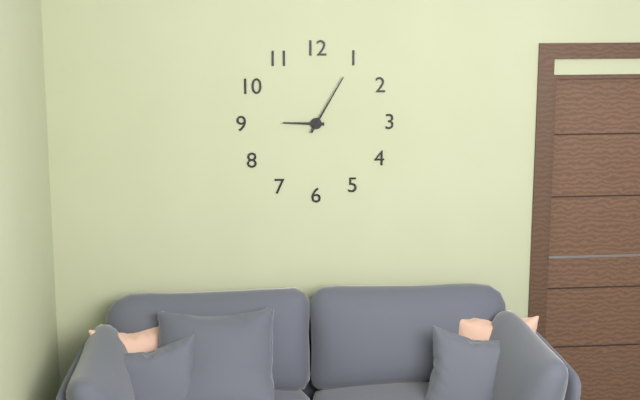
9:05
